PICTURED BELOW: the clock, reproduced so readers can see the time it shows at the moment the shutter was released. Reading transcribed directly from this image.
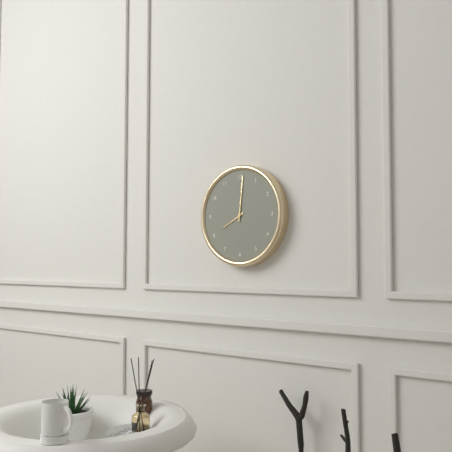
8:01
